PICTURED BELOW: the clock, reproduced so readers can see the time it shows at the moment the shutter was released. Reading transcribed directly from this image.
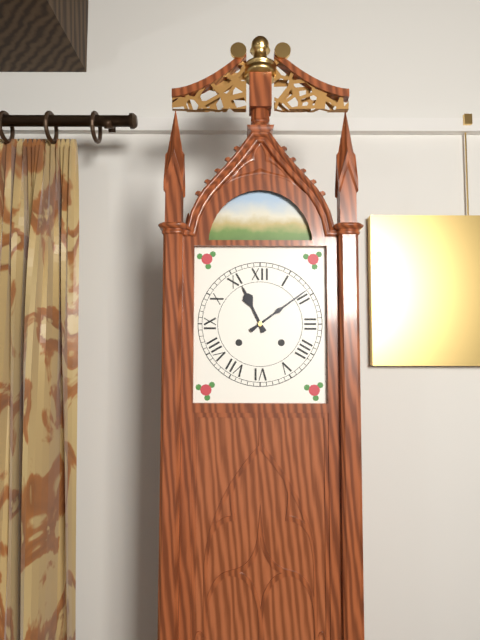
11:09
